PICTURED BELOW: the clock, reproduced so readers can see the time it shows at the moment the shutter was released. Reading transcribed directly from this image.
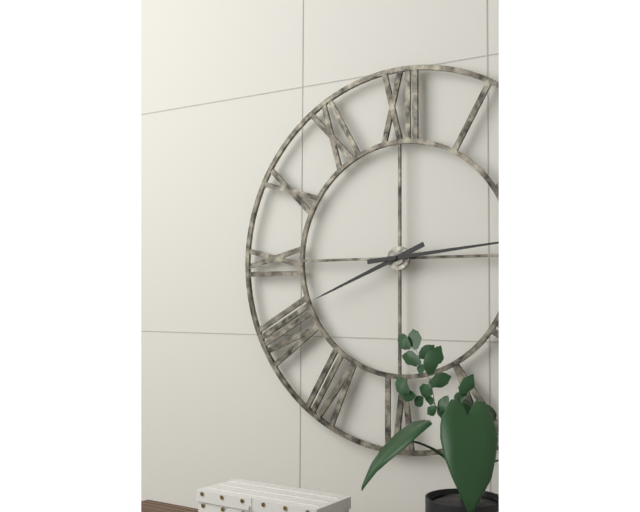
8:14
